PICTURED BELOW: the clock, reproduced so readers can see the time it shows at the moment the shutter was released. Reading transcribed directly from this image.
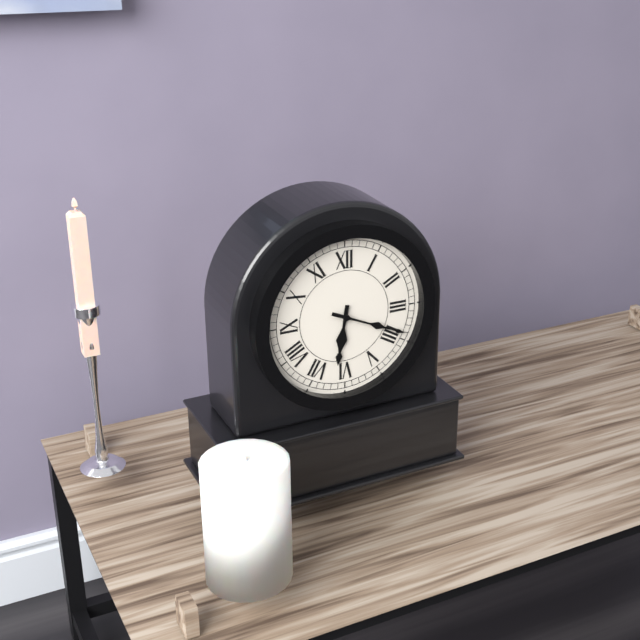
6:19
